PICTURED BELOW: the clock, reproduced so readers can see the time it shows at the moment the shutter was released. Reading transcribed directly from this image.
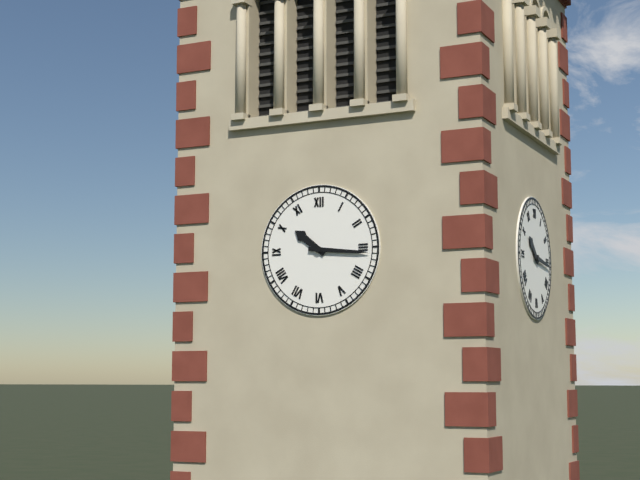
10:16
